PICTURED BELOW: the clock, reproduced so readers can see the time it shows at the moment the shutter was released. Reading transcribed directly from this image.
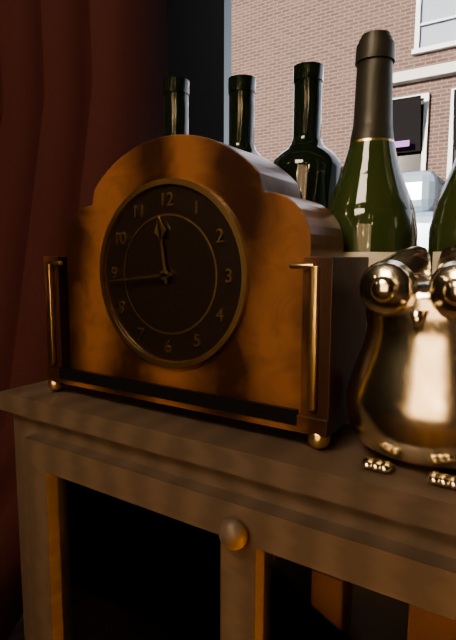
11:44
